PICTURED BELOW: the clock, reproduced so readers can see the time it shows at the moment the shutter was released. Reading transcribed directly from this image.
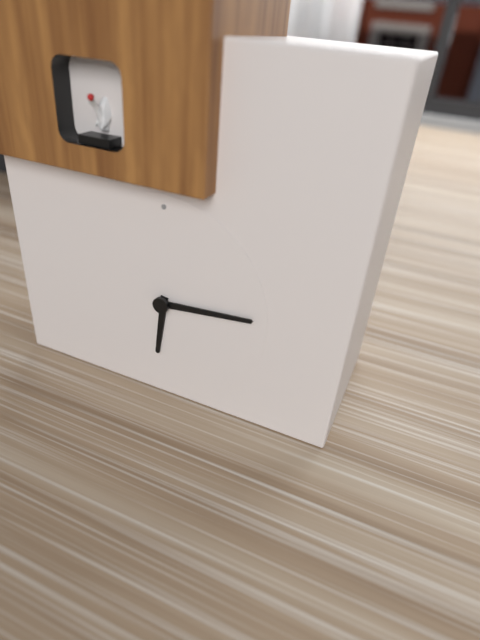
6:14
